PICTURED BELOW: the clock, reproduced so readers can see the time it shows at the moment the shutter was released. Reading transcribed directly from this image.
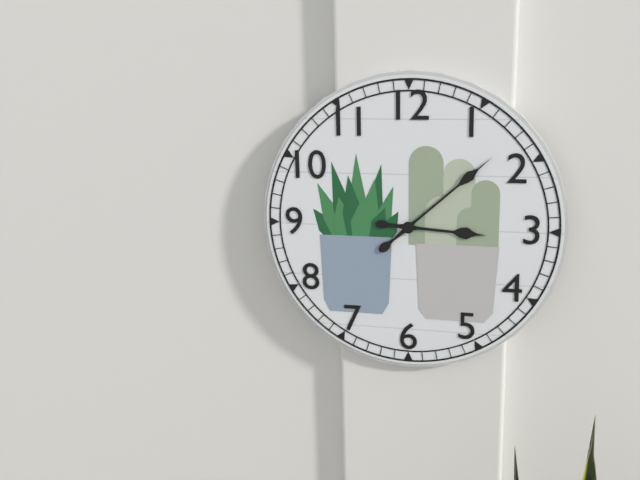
3:08
